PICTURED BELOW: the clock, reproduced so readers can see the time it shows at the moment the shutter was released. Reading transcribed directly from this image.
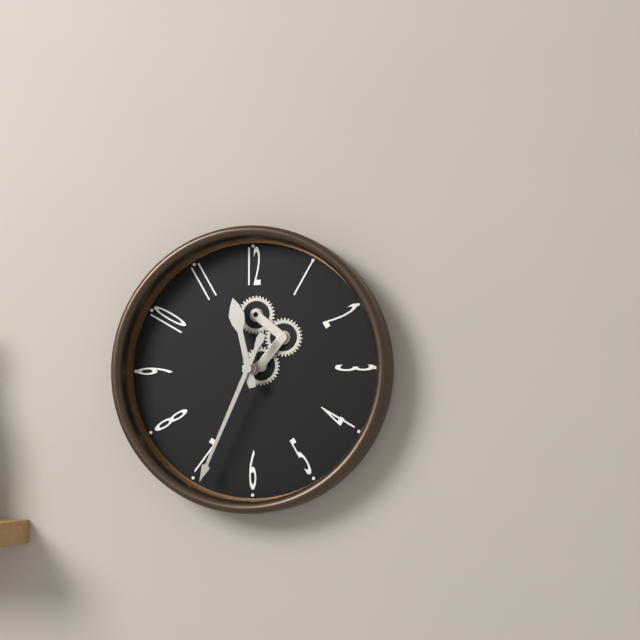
11:34
